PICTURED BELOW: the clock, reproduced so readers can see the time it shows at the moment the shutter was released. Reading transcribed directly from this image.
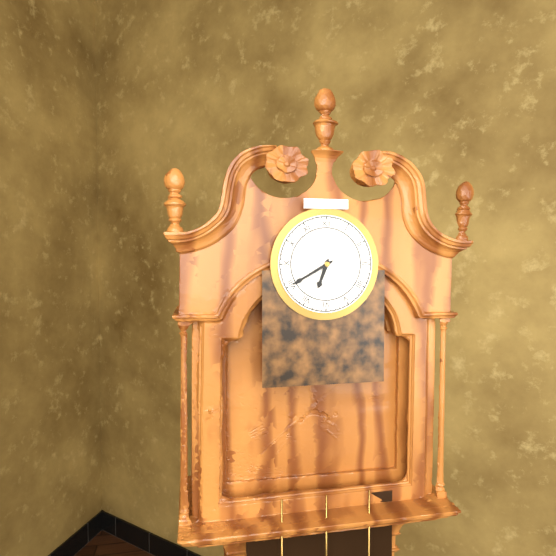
6:40
